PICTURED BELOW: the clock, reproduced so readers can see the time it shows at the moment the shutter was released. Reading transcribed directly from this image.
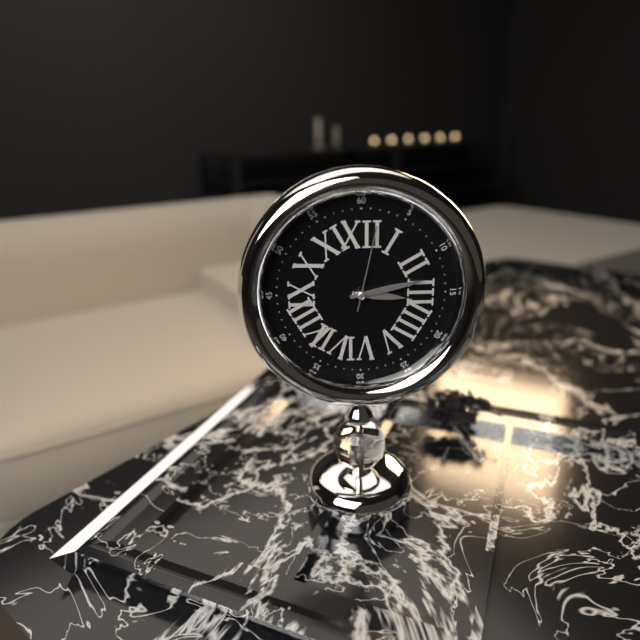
3:13:02
